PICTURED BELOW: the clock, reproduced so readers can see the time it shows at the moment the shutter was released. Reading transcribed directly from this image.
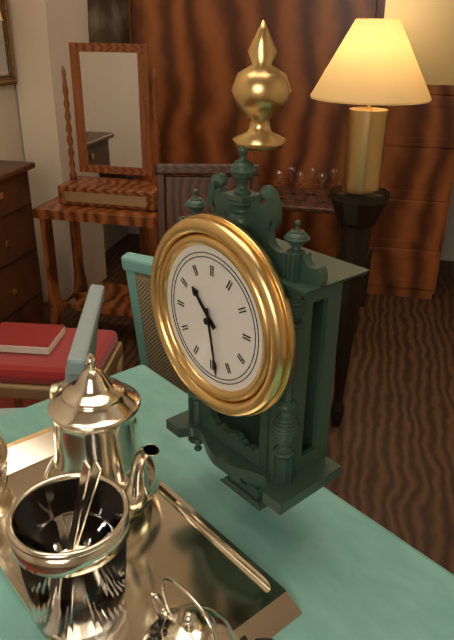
10:28
